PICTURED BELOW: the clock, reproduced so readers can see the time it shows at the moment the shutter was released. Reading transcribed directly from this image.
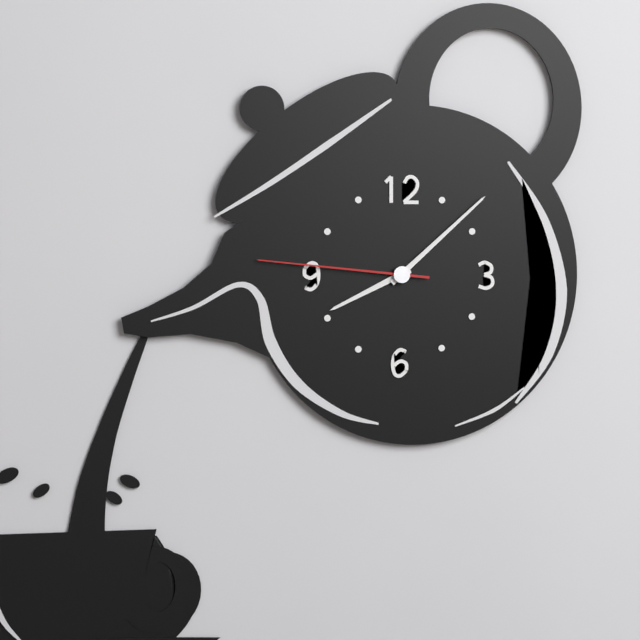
8:08:46
